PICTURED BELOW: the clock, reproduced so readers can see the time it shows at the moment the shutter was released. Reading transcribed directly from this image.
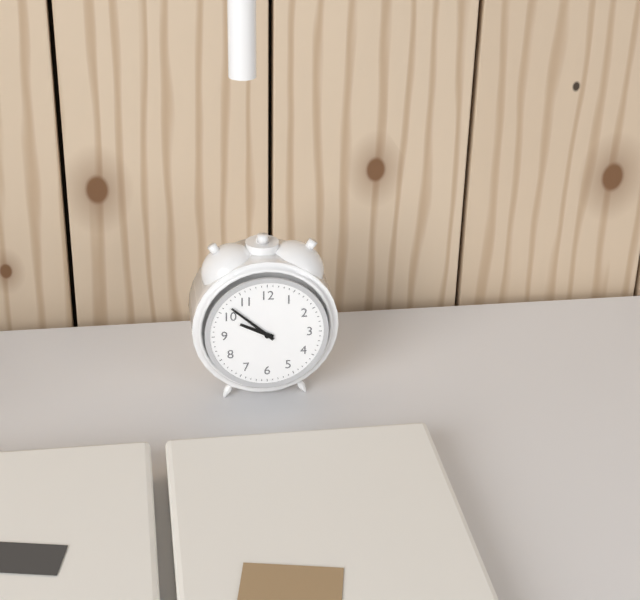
9:52
